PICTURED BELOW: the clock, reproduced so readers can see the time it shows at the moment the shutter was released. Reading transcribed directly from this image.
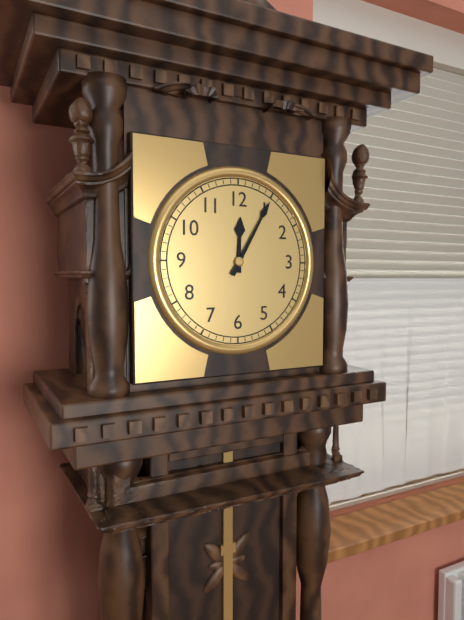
12:05
